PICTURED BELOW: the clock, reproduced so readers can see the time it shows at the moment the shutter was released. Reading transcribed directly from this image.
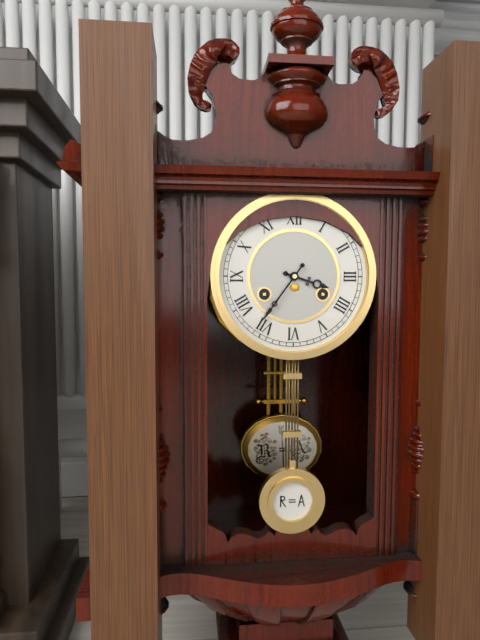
3:36
